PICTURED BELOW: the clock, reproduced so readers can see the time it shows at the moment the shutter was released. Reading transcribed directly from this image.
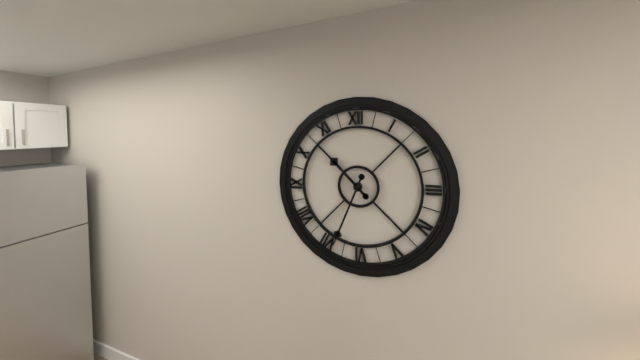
10:34
